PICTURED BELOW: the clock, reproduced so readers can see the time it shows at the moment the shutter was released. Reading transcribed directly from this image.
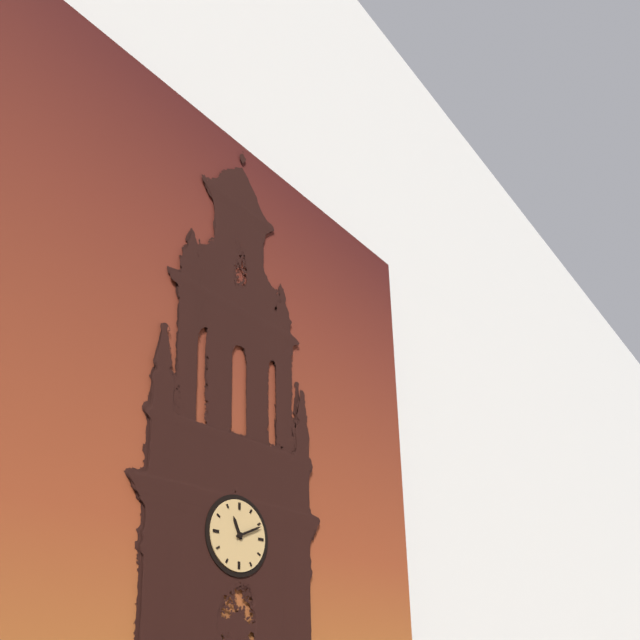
11:11
